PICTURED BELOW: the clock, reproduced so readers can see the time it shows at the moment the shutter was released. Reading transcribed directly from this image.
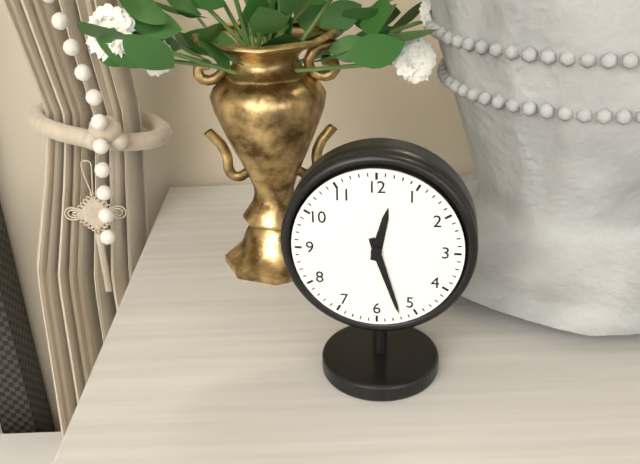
12:27
